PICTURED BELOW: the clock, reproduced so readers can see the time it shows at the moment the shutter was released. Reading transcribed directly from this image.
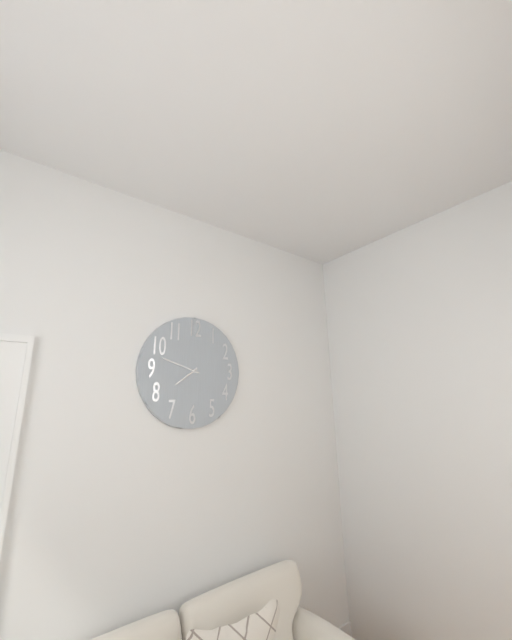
7:48
